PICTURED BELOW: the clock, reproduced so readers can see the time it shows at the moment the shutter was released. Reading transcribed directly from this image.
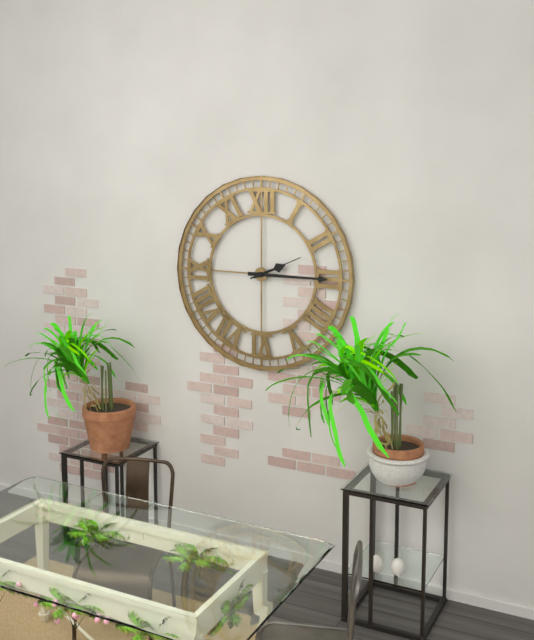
2:15:11
